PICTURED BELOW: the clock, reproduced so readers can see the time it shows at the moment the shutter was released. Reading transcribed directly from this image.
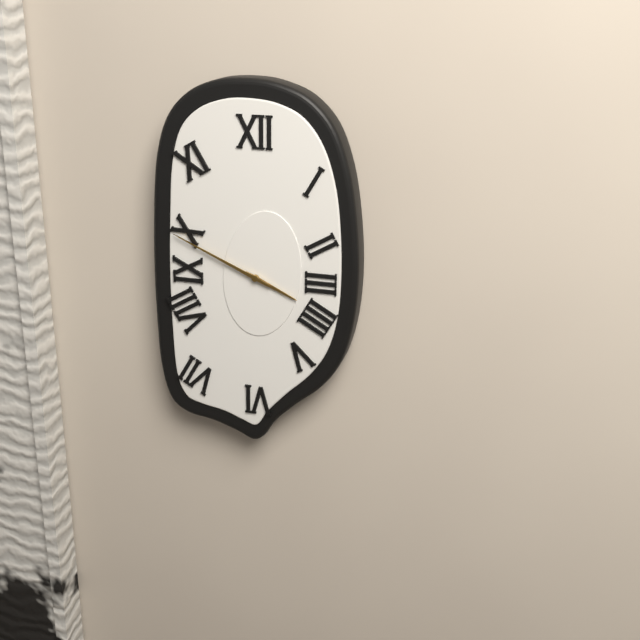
3:49
